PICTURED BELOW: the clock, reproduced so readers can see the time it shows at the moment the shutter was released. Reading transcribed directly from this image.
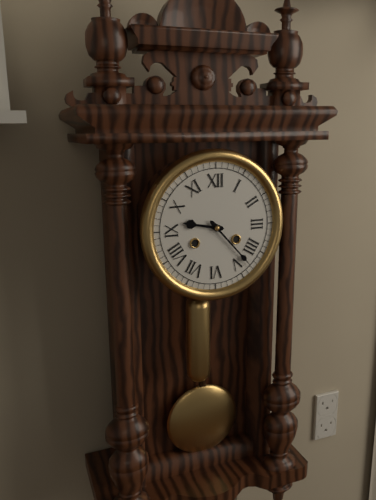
9:23
